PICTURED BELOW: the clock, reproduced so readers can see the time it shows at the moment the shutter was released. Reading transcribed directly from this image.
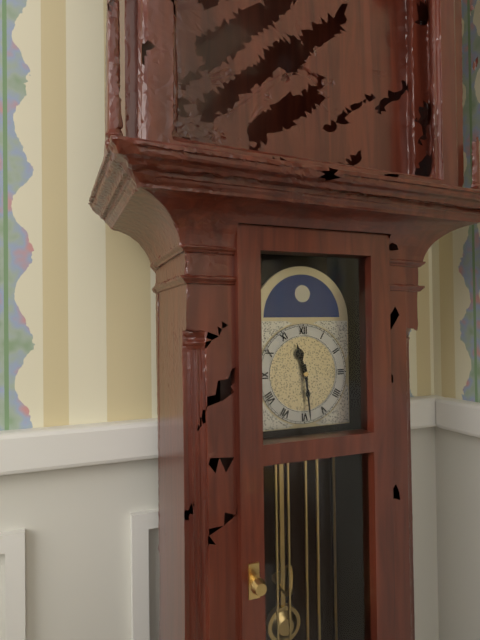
11:29
